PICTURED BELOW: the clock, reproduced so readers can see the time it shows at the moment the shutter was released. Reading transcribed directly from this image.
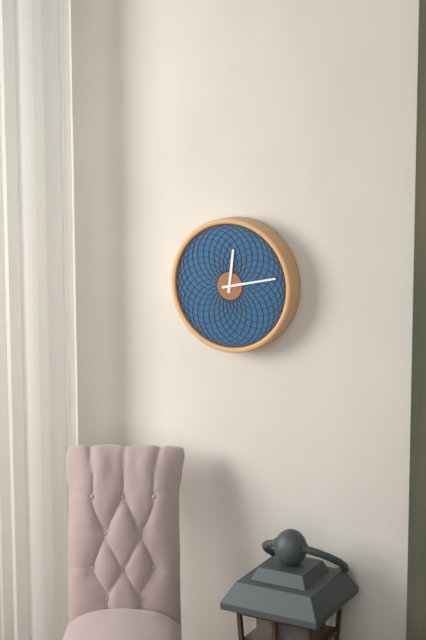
12:13
